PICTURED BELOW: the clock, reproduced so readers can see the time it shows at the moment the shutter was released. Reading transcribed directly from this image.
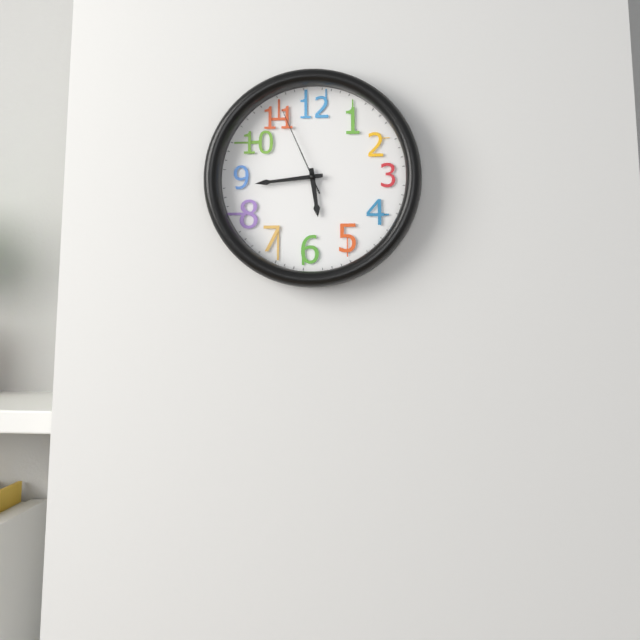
5:44:56
